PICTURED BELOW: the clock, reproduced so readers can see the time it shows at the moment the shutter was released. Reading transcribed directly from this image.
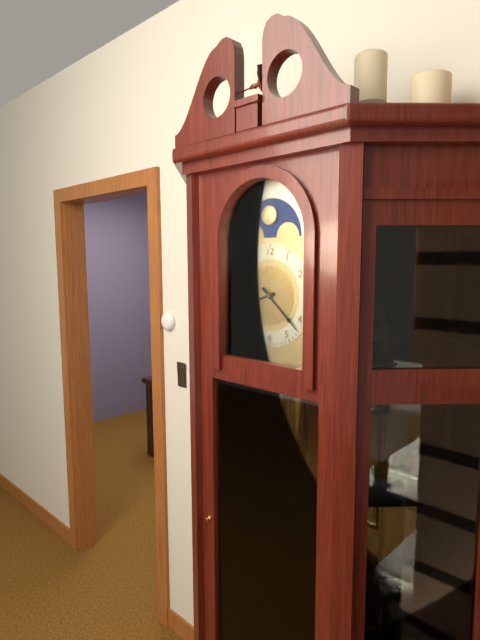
8:22
